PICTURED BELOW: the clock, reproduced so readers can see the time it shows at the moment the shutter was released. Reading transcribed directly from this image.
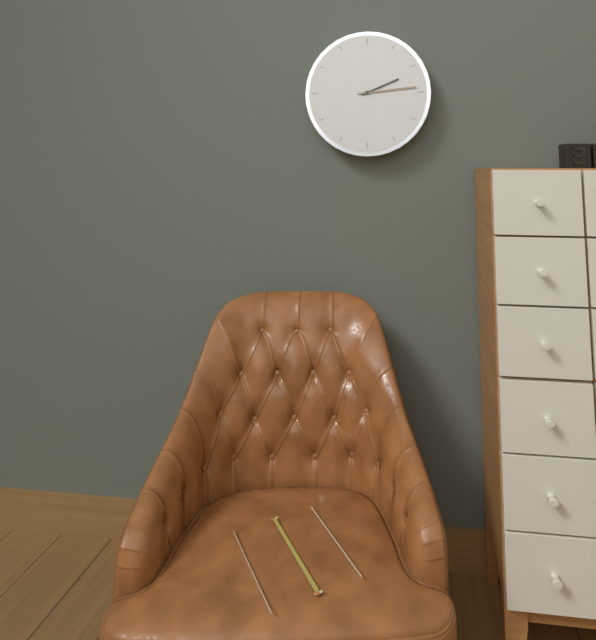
2:14
